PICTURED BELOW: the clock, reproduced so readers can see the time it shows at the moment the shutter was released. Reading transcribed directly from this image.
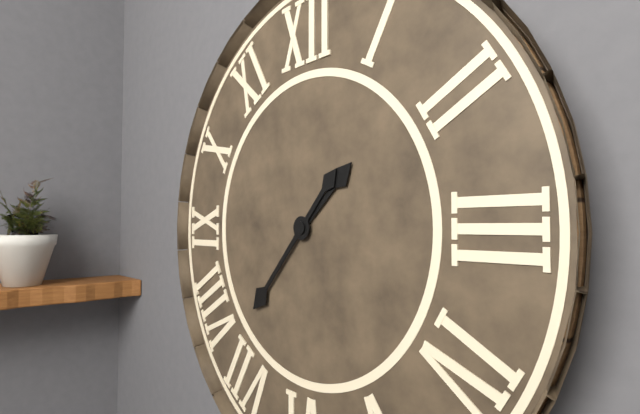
1:37
